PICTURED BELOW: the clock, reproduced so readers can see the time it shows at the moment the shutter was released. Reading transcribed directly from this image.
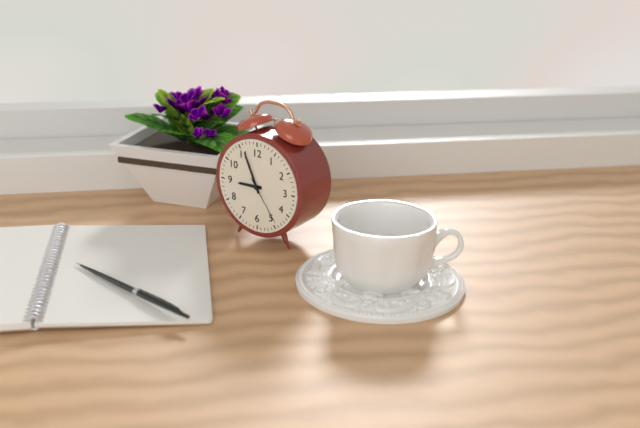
8:56:24
